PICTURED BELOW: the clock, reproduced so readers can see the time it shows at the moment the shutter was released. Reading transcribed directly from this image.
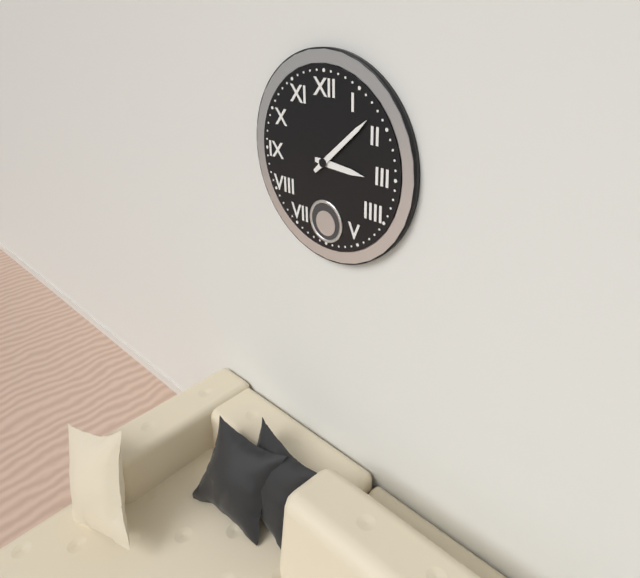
3:08
